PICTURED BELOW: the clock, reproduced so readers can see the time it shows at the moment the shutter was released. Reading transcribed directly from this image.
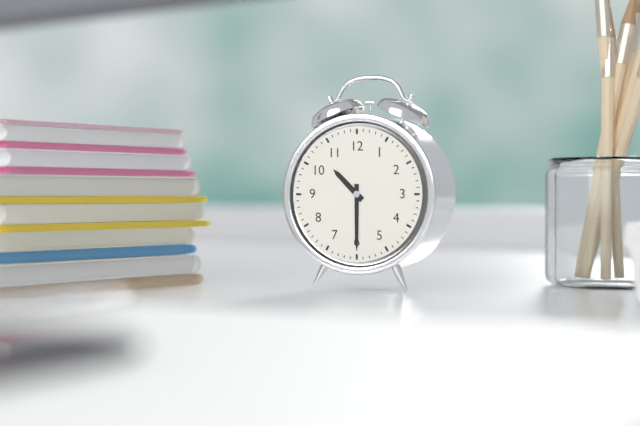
10:30
